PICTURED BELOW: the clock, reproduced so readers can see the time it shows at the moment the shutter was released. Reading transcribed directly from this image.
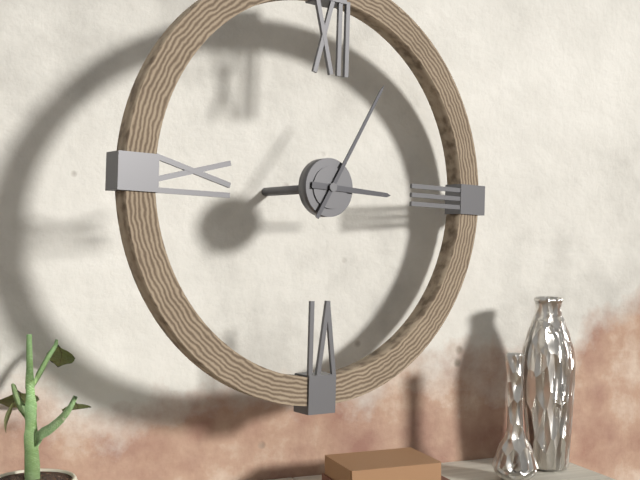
3:05
